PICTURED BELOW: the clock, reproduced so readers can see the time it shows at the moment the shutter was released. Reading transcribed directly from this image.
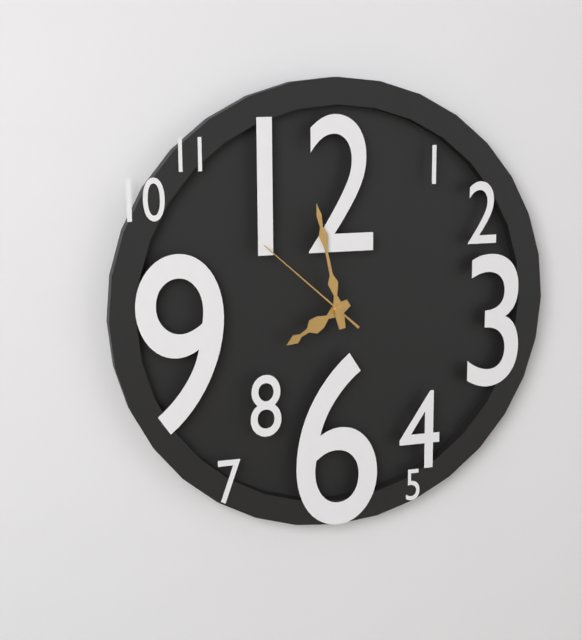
7:58:52
